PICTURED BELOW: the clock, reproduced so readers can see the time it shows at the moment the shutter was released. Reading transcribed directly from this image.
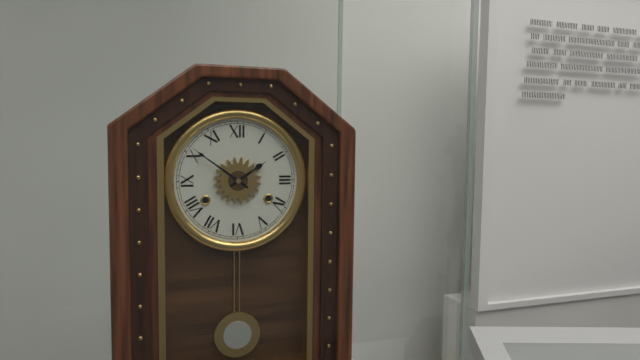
1:51
